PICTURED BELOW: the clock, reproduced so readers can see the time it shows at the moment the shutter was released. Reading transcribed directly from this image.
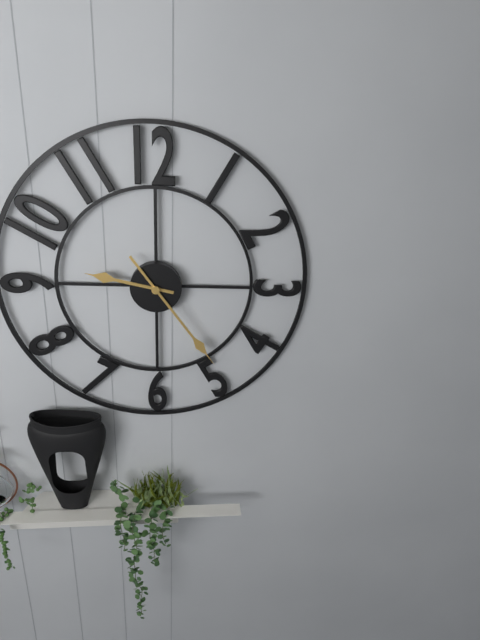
9:24
